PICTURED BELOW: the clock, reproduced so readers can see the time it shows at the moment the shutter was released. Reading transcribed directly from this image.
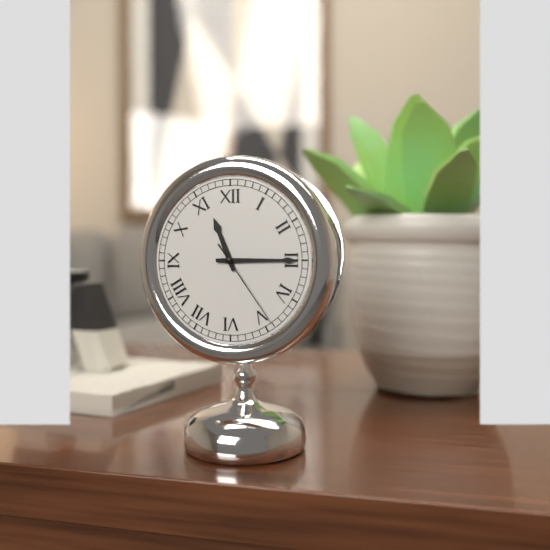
11:15:24
